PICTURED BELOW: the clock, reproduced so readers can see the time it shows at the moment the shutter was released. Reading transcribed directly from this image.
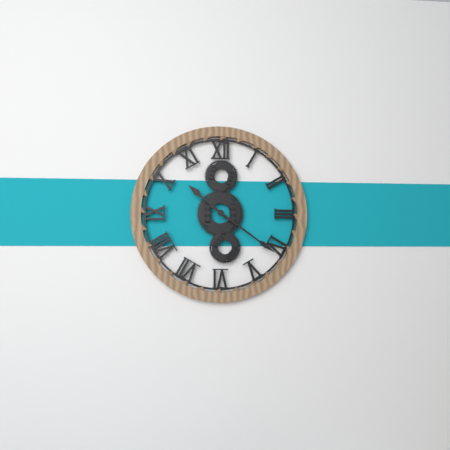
10:21
